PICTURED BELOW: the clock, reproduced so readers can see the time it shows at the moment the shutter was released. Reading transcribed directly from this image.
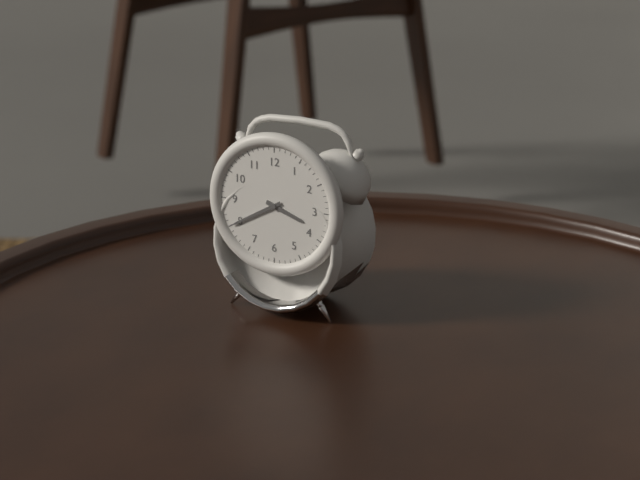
3:40
